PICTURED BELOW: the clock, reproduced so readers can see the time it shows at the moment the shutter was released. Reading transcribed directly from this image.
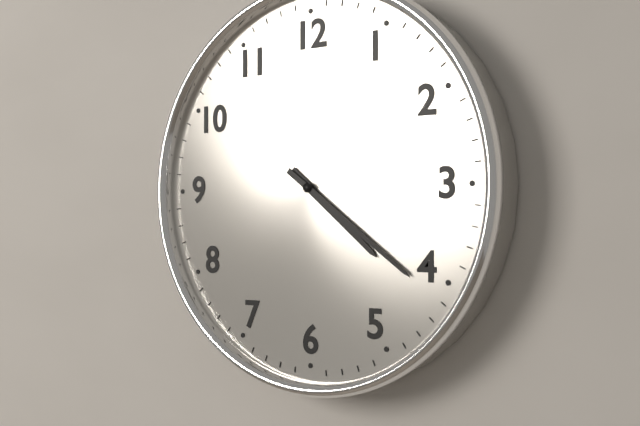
4:21
